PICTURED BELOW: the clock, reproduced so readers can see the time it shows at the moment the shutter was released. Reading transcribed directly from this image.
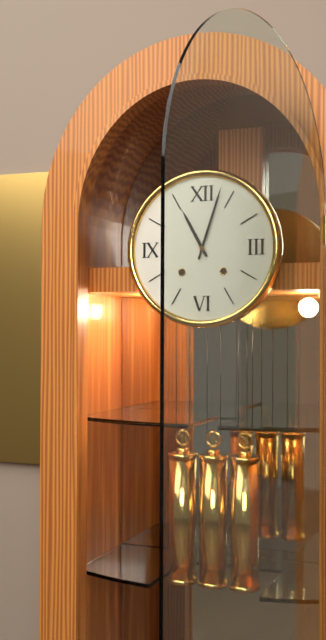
11:03
